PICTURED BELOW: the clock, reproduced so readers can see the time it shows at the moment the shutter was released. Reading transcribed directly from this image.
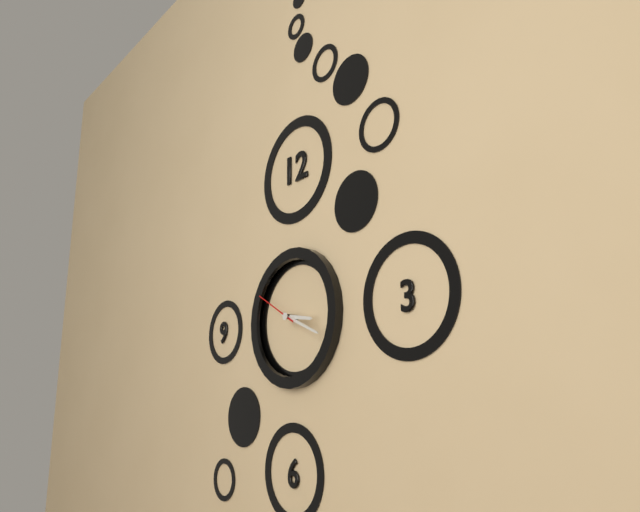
3:19
